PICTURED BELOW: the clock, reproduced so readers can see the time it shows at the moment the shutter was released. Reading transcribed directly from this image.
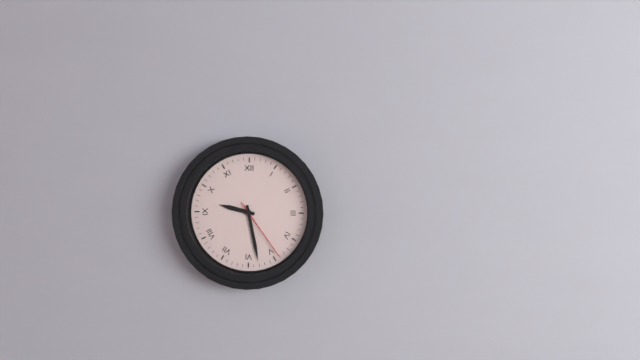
9:28:24
